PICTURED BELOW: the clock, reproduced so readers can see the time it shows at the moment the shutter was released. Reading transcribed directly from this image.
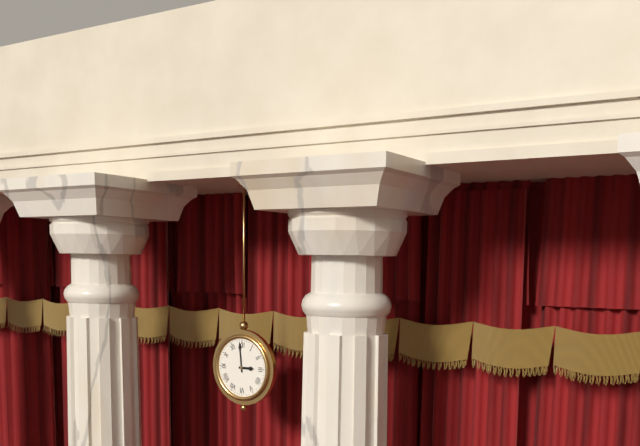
2:59
